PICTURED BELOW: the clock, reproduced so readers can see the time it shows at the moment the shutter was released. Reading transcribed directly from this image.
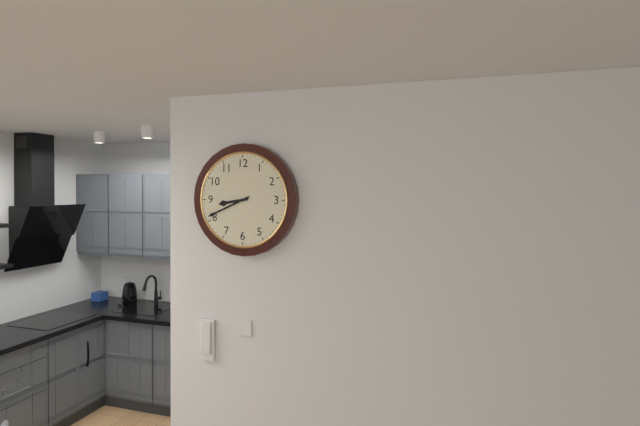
8:41
